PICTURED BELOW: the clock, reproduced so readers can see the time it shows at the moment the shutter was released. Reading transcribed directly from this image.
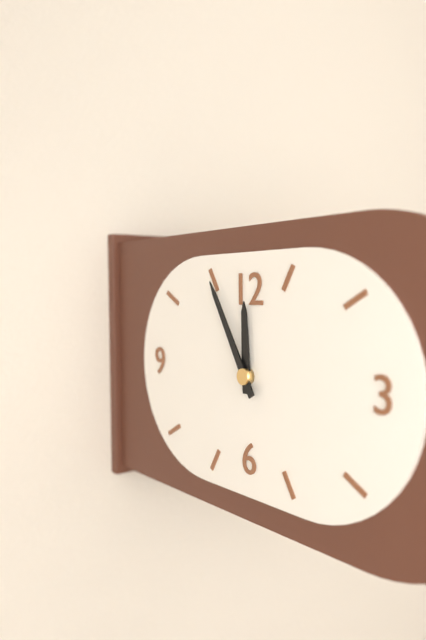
11:55
